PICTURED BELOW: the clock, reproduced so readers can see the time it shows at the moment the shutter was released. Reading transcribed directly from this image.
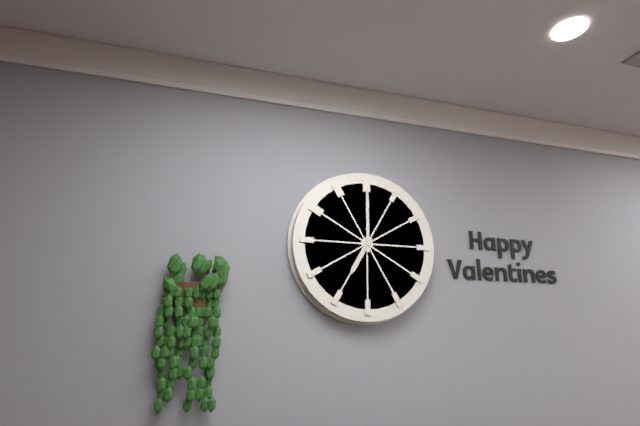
7:00
